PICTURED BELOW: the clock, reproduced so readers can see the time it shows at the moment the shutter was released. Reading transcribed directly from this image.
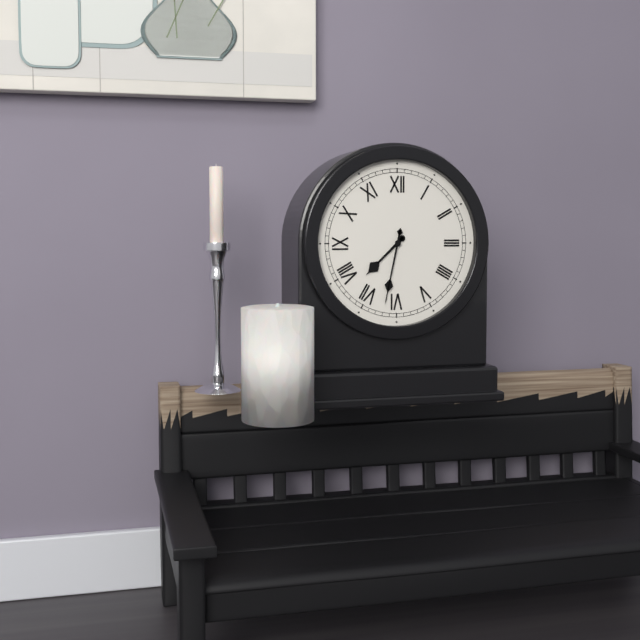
7:32
